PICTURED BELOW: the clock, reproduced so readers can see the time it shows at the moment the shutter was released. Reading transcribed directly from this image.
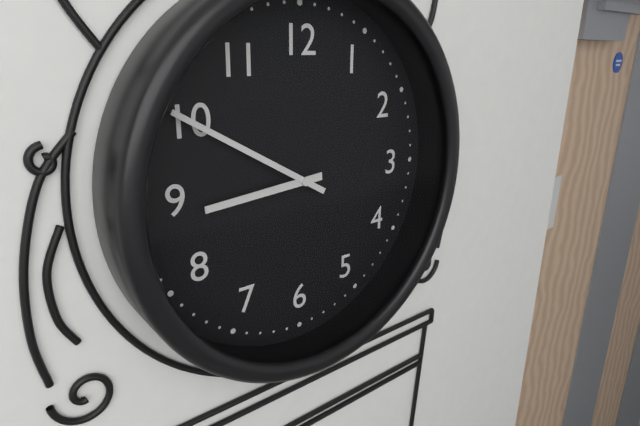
8:50
